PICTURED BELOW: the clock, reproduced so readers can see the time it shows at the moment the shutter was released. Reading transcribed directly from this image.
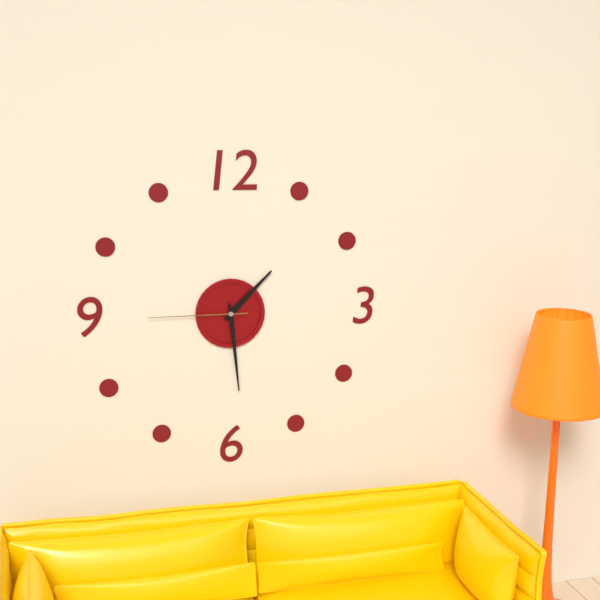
1:29:45
